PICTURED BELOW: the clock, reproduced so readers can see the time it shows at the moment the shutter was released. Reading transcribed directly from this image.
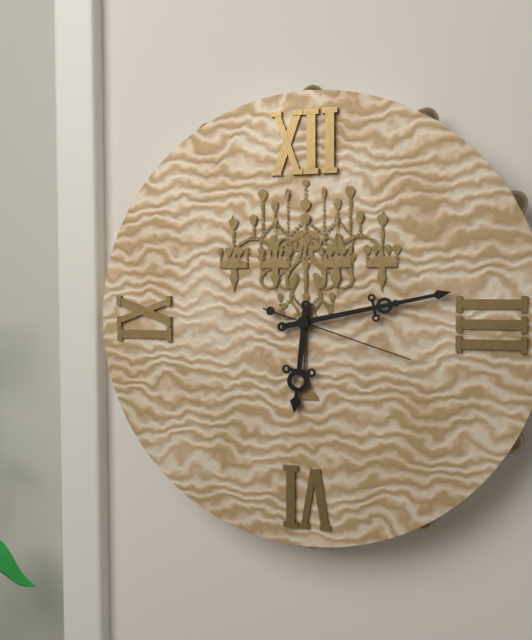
6:13:18
